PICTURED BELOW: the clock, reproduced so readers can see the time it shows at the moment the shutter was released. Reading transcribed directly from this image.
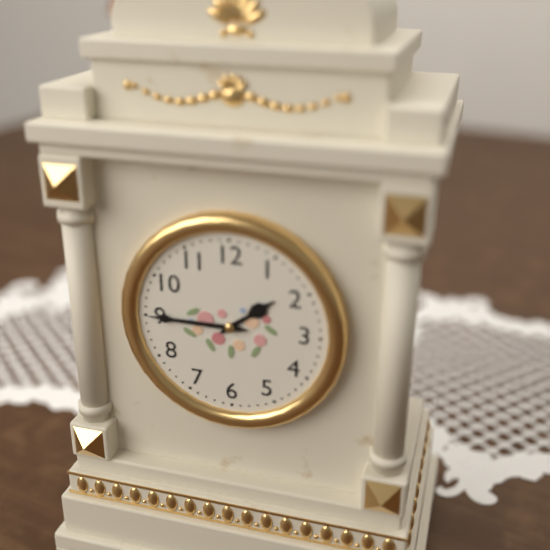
1:45
